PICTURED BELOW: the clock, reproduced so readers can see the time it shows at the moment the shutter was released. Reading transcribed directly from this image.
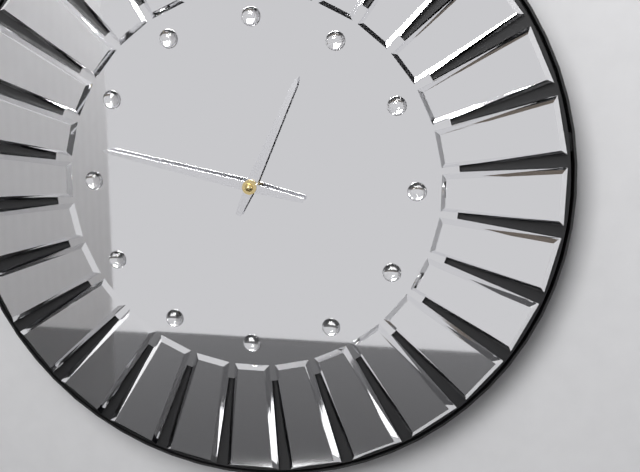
12:47
